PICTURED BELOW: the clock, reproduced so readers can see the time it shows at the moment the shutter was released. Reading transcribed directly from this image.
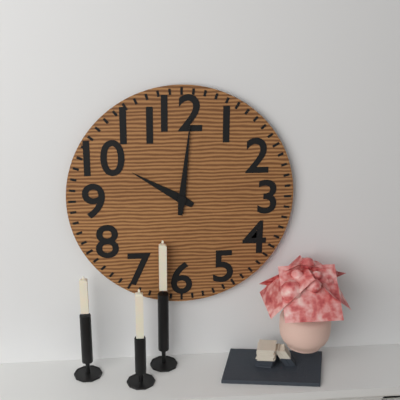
10:01
